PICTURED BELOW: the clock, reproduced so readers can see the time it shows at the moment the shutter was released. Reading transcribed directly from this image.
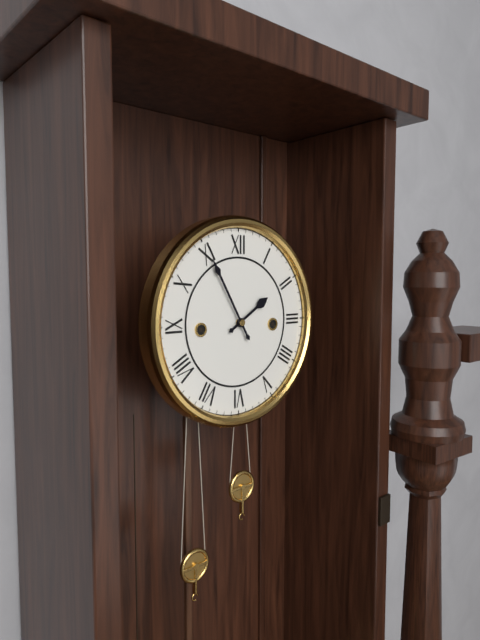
1:55
